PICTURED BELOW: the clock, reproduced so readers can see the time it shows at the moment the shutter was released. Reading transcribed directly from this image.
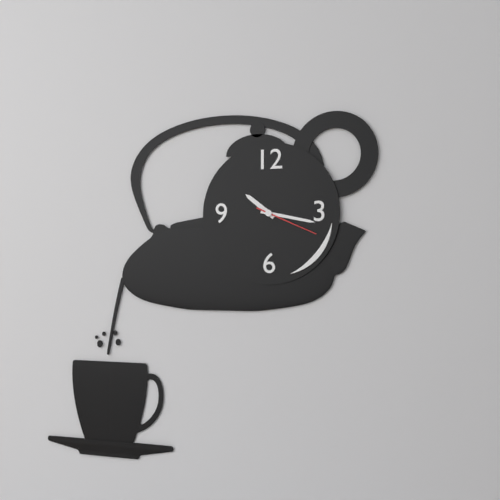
10:17:19
